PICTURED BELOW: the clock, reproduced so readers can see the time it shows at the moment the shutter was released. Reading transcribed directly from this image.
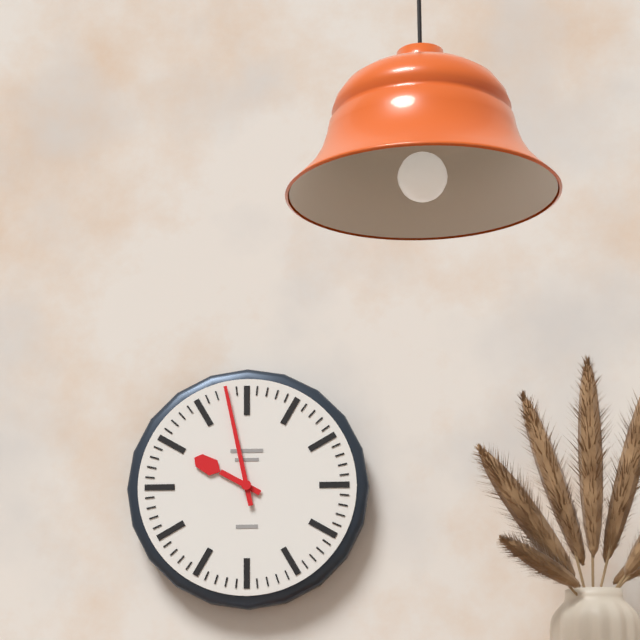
9:58
